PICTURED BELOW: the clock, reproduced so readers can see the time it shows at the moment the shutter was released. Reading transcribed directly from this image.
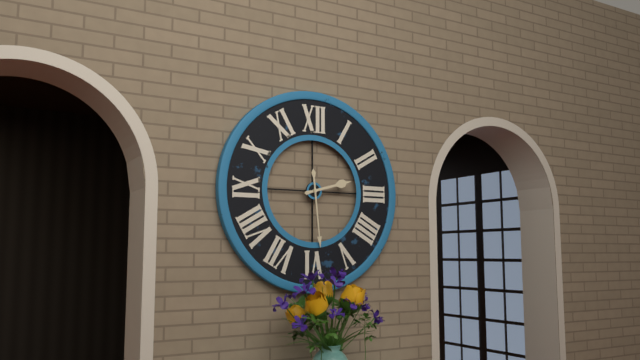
2:29
